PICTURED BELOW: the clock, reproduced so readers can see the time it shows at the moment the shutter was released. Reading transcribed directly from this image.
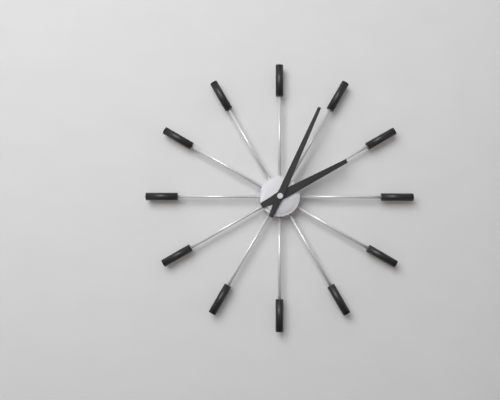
2:04
